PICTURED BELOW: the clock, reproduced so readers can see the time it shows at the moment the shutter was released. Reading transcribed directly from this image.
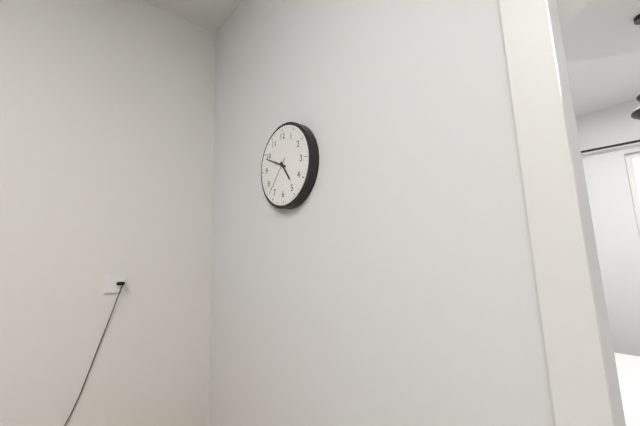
4:49
